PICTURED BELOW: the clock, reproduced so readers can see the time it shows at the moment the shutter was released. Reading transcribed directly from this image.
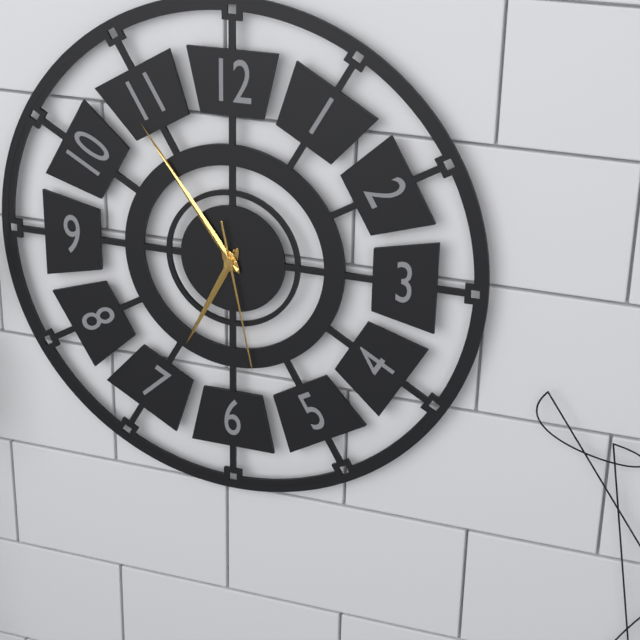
6:54:28
